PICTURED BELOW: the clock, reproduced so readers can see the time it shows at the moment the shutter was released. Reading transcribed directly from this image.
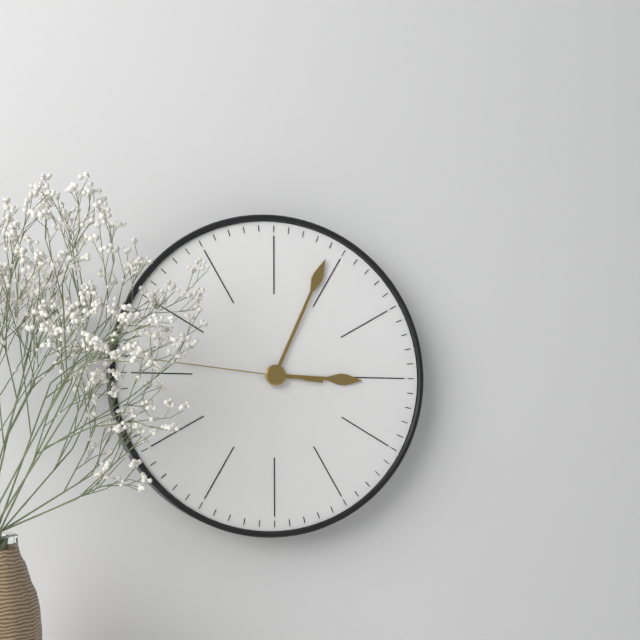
3:04:46
